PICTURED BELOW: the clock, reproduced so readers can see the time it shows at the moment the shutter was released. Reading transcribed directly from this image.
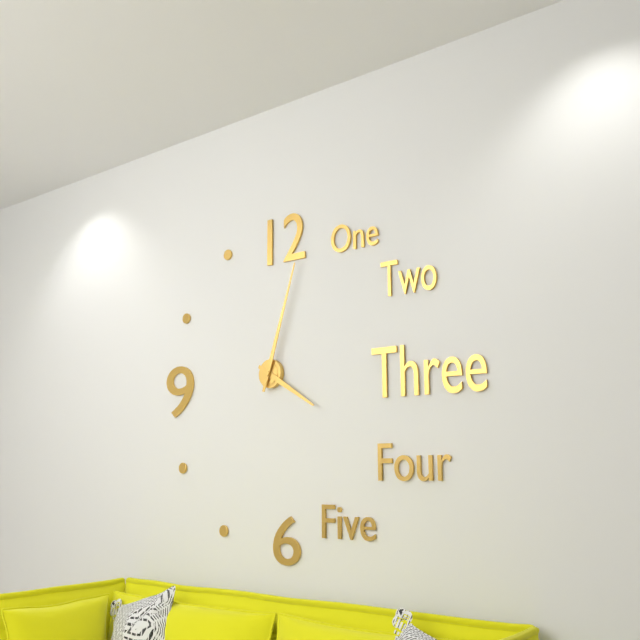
4:03
